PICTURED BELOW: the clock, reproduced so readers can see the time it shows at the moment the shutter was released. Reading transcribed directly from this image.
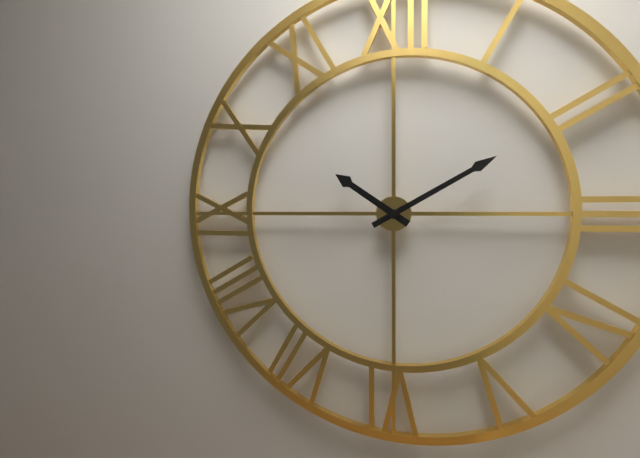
10:10
